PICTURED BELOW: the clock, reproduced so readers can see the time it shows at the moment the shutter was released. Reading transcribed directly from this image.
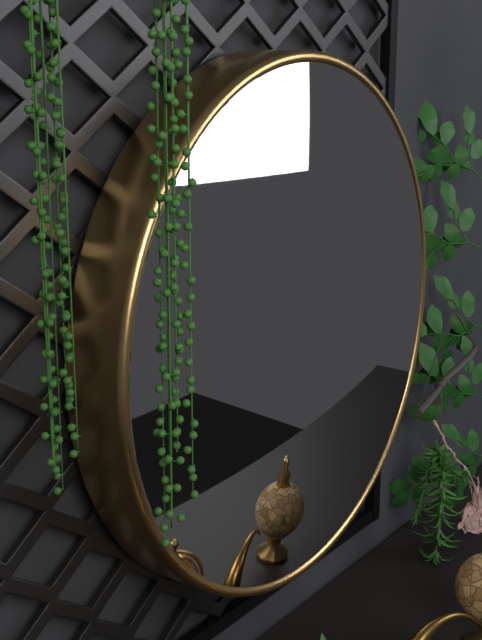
8:19
